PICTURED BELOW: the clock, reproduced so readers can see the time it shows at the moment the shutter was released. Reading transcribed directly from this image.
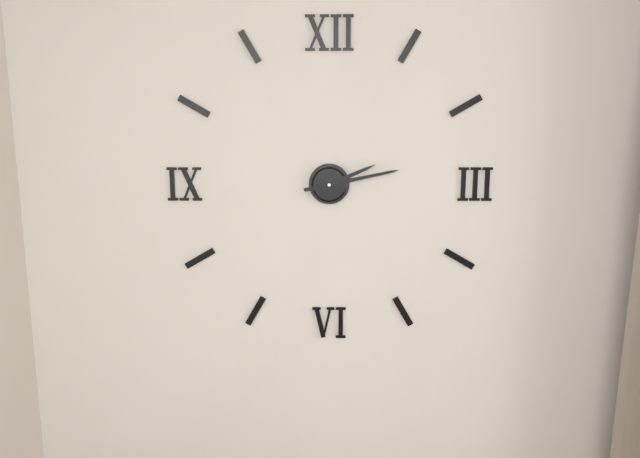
2:13
